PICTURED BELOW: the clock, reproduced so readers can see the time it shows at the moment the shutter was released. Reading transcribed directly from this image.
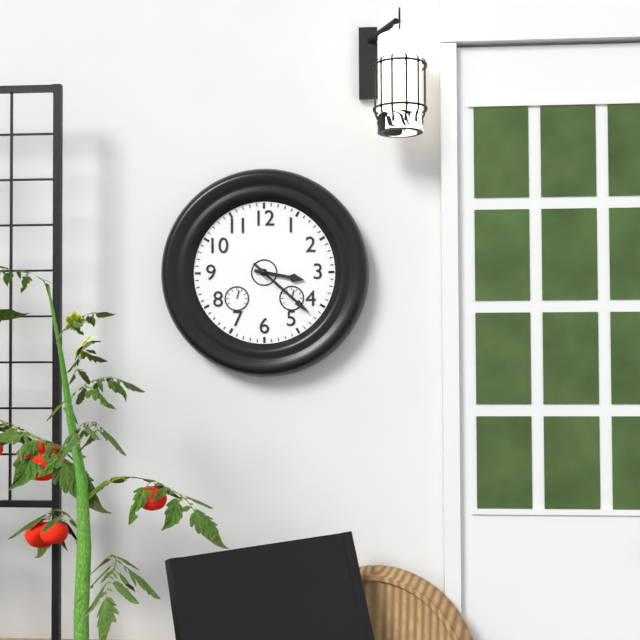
3:22
